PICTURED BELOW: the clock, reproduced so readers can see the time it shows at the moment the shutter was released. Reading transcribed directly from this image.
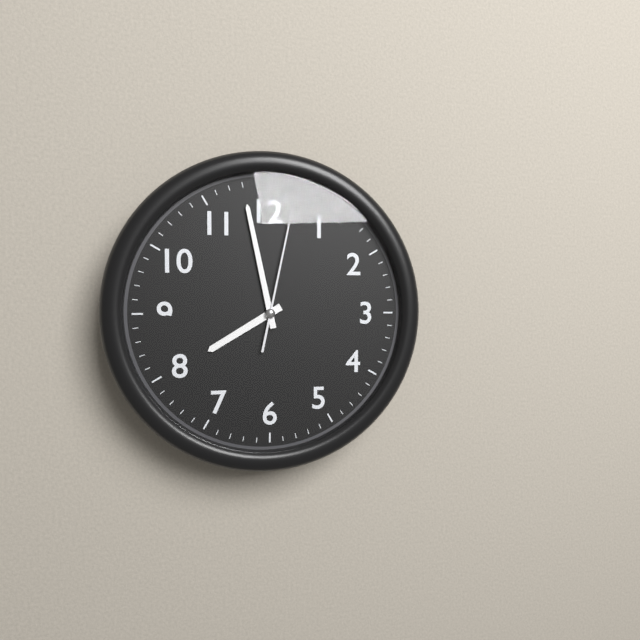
7:58:02
